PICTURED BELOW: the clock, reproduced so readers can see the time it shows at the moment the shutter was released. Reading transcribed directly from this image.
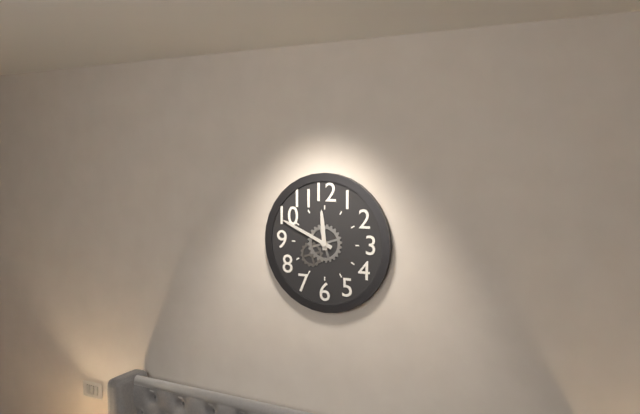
11:49
